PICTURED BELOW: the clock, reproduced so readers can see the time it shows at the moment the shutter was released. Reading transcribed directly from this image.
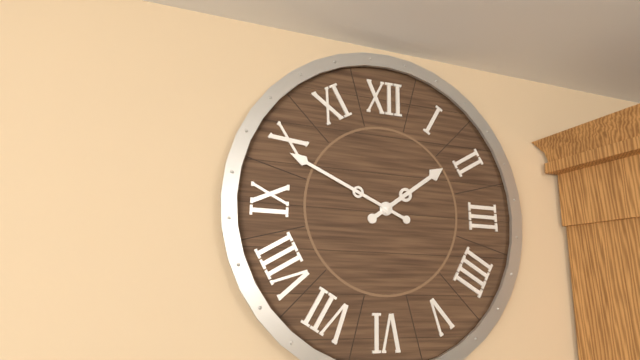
1:49
